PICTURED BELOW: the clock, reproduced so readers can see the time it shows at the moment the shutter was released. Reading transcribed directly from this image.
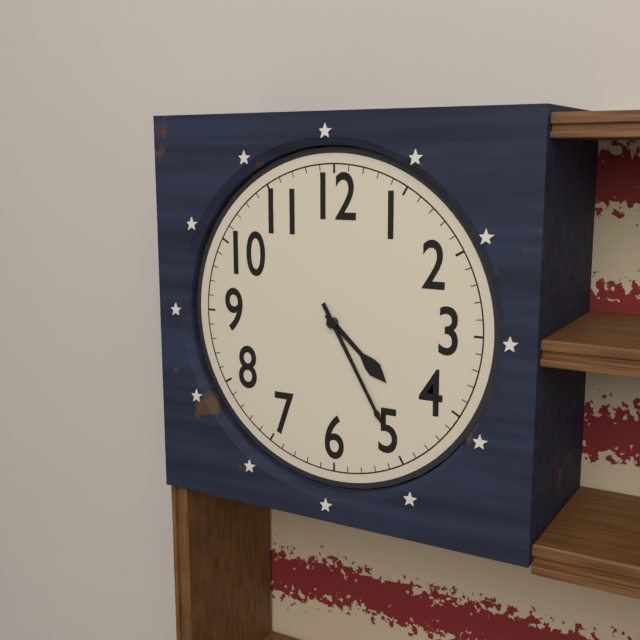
4:25
